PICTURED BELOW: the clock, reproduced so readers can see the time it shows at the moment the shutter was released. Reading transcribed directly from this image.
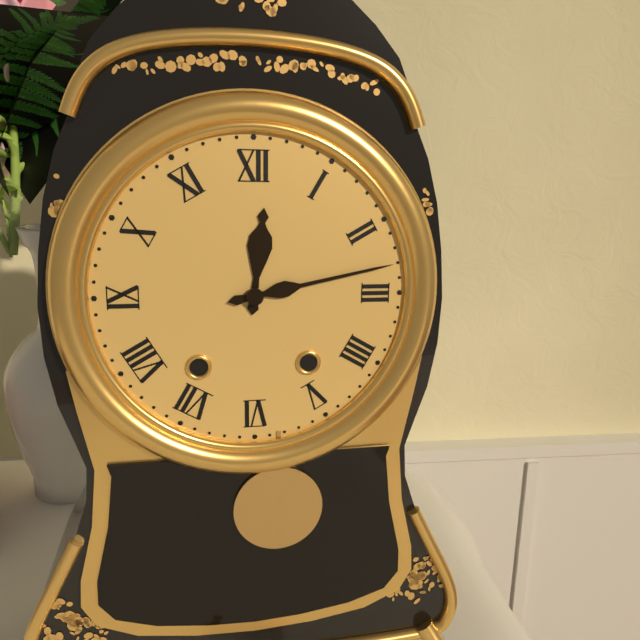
12:13
